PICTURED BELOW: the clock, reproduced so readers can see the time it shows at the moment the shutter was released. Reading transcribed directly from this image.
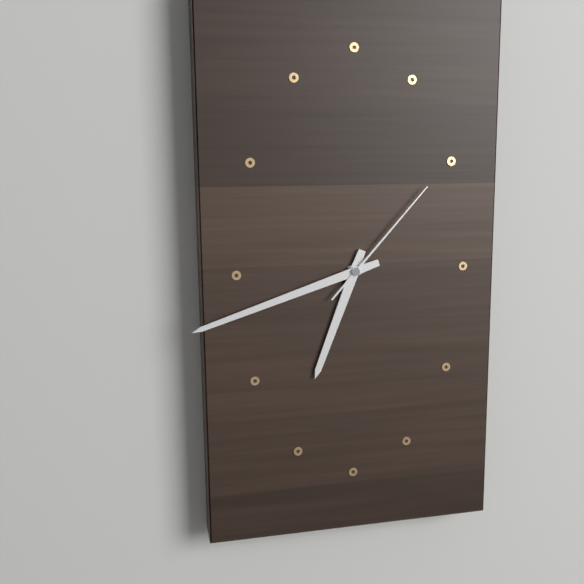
6:42:07
